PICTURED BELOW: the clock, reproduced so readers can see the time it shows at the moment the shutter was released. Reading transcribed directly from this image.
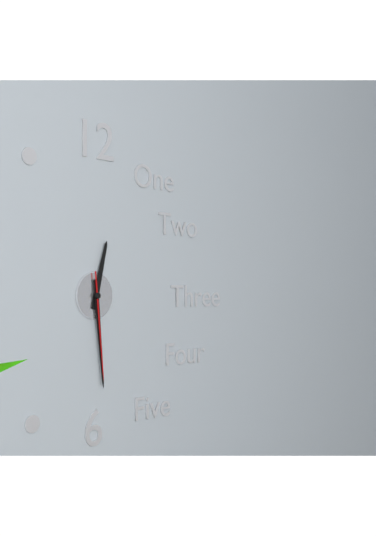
12:29:29
